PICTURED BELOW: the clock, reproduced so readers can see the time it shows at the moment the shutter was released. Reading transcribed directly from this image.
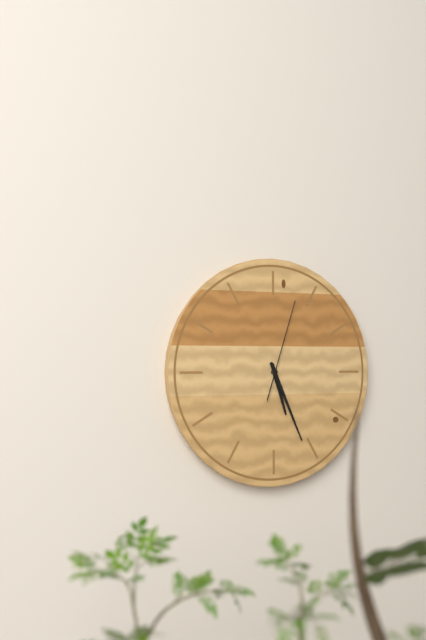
5:26:03
